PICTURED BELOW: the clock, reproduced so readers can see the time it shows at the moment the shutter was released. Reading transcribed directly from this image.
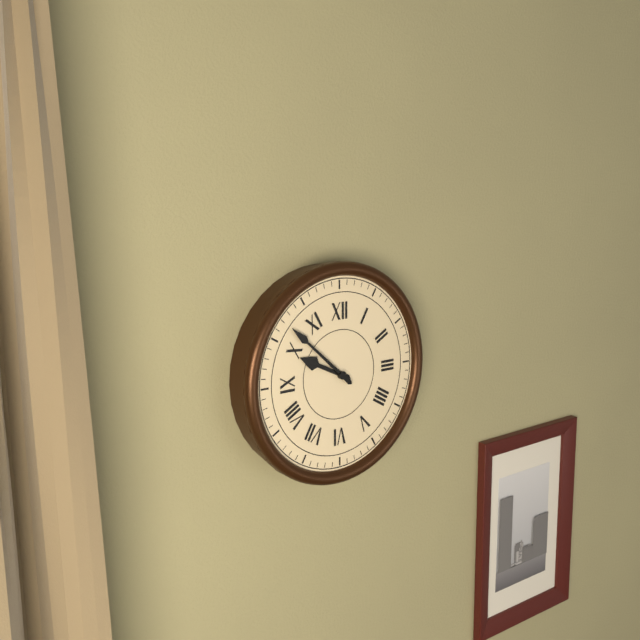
9:52
